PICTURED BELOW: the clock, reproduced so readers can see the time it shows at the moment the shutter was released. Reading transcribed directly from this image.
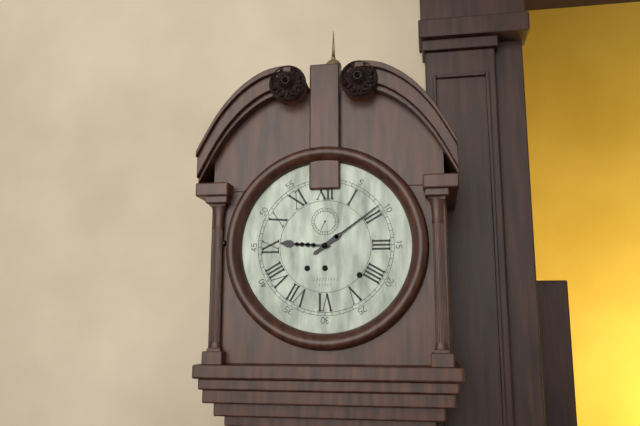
9:09
